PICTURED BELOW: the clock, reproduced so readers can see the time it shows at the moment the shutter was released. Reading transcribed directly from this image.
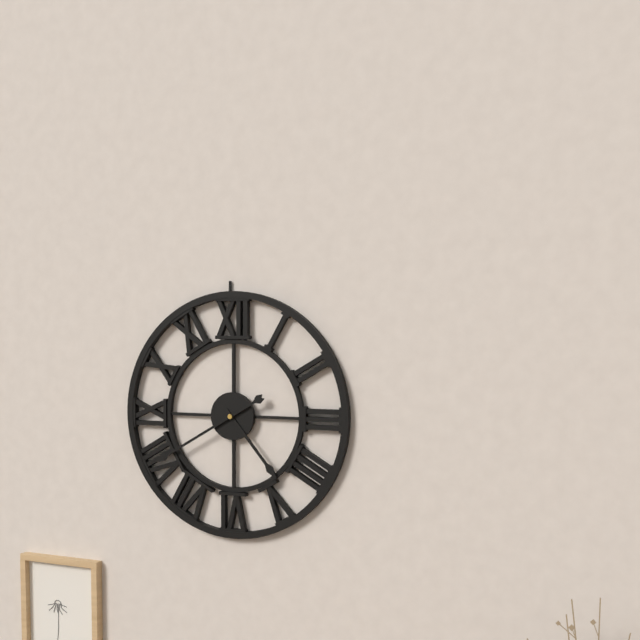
4:40
